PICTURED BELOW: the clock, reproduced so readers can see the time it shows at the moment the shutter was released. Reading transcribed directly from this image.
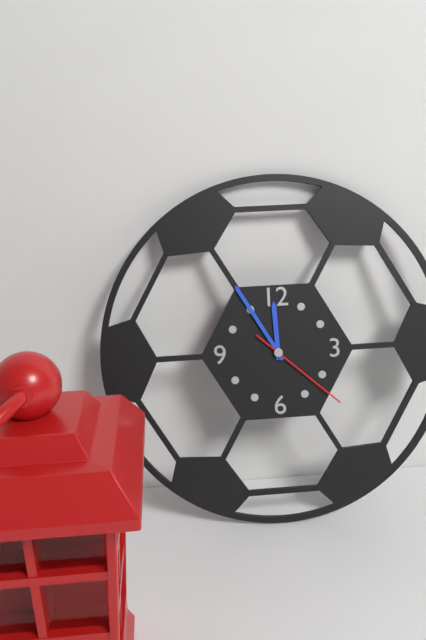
11:55:22
